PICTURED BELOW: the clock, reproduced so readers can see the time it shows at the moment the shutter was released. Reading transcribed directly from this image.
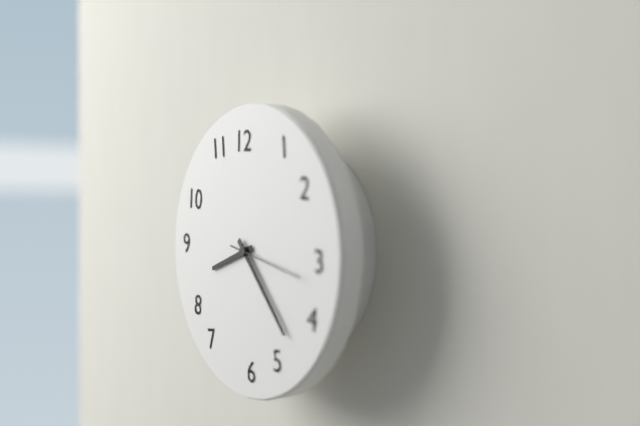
8:23
